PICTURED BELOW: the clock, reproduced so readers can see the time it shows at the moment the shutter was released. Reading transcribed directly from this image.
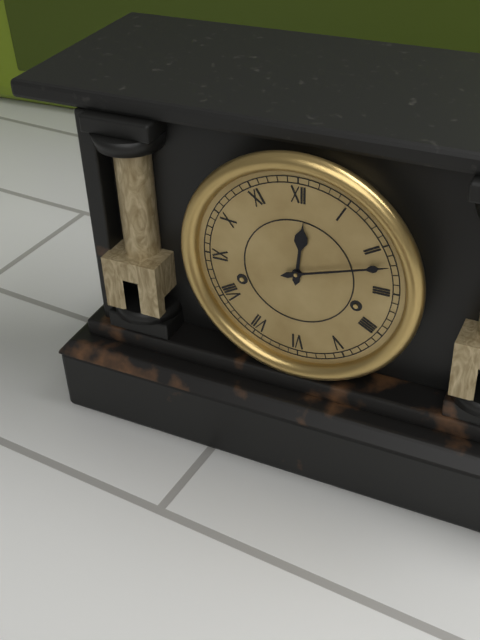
12:12
